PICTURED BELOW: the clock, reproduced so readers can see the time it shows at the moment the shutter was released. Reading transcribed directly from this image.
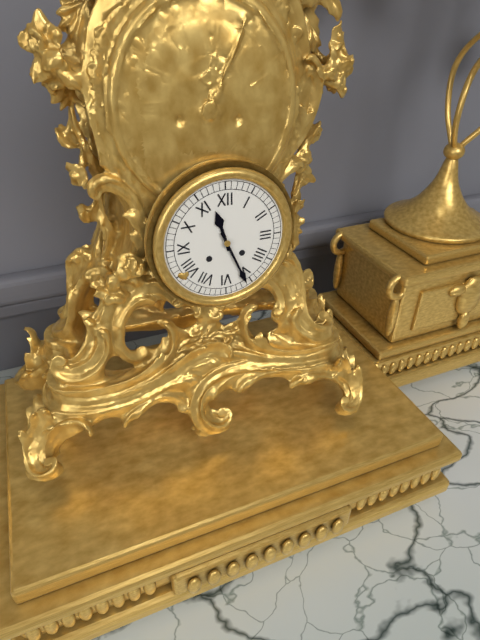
11:26
